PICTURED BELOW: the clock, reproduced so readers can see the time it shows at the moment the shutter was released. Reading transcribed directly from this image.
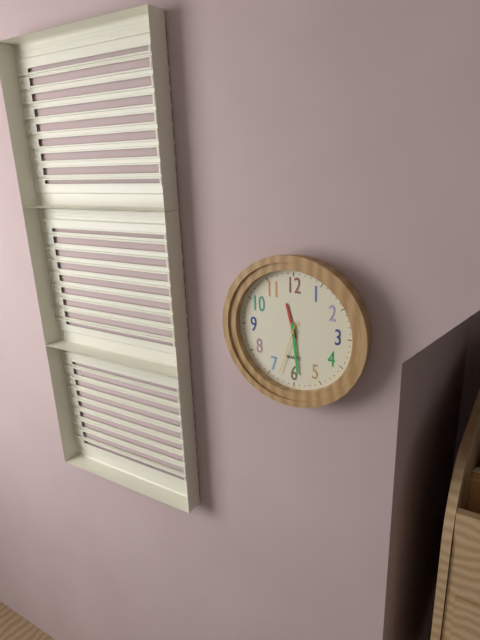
11:29:33
